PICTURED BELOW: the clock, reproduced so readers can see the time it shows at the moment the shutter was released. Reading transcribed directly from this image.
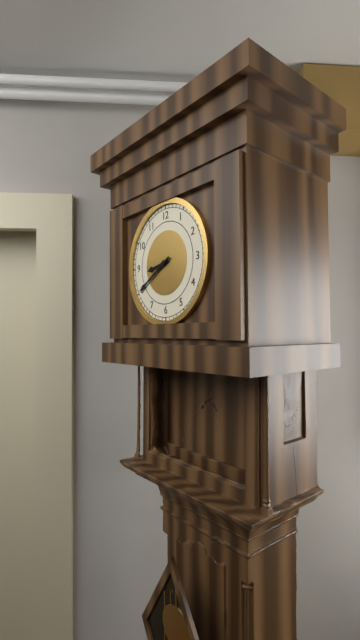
8:40
